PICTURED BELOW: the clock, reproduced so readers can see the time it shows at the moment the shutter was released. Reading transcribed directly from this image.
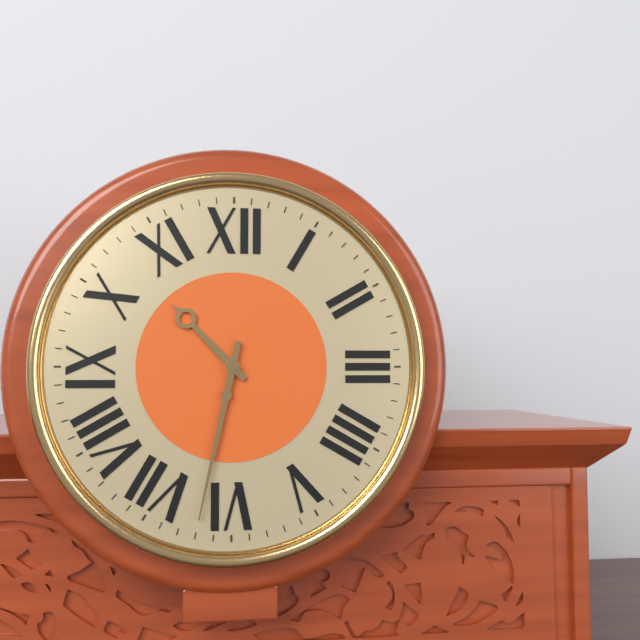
10:32
